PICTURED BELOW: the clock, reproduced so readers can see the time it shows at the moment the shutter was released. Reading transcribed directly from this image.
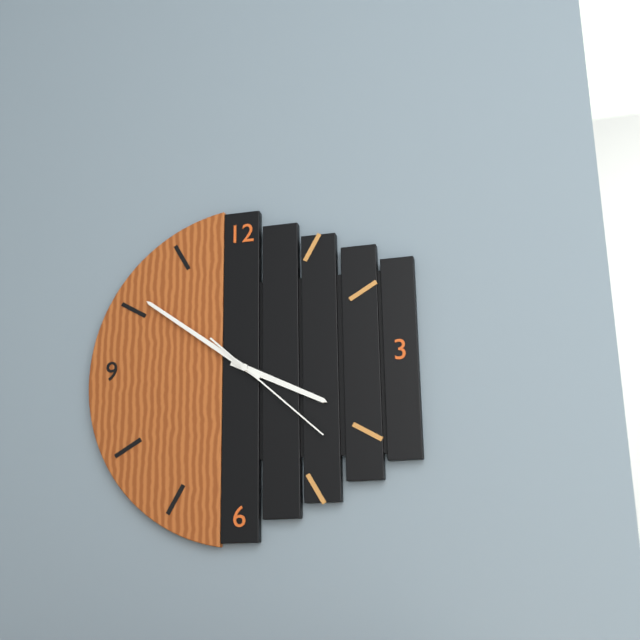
3:51:22
